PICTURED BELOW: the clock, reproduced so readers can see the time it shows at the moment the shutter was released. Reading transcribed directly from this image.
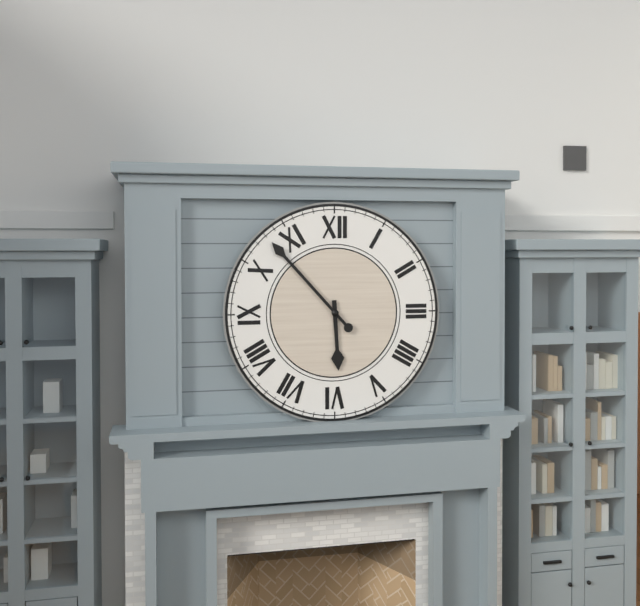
5:53
